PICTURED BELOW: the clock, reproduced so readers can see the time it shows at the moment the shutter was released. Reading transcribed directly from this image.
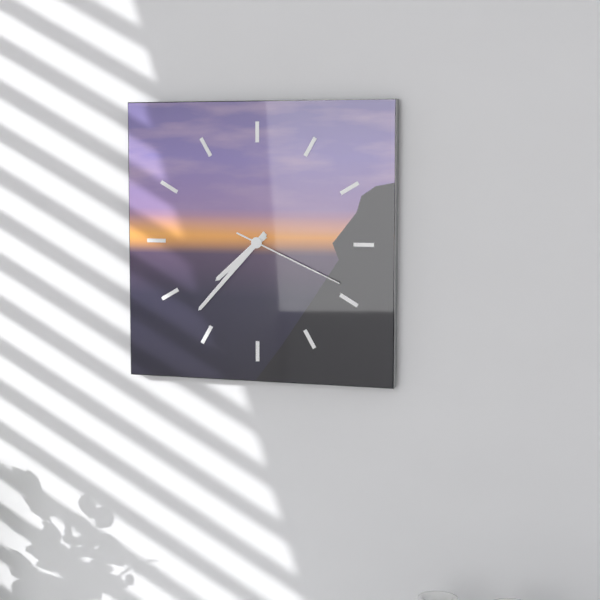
7:37:19
